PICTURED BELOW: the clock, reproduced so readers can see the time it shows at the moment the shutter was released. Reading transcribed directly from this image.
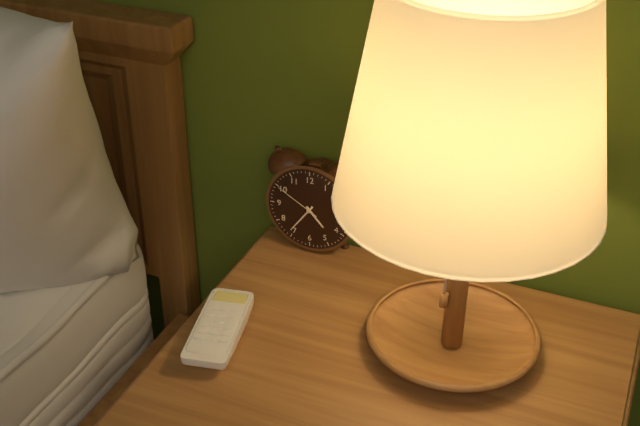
4:36
